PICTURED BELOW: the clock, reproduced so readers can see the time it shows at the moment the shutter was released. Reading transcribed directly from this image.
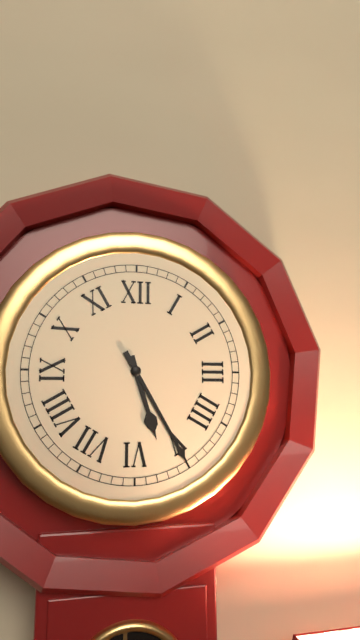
5:25
